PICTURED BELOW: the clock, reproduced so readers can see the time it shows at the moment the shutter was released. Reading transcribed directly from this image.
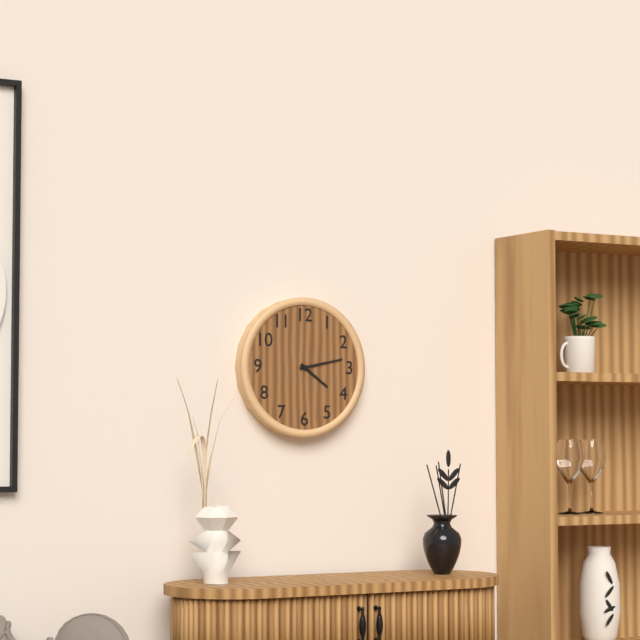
4:13
